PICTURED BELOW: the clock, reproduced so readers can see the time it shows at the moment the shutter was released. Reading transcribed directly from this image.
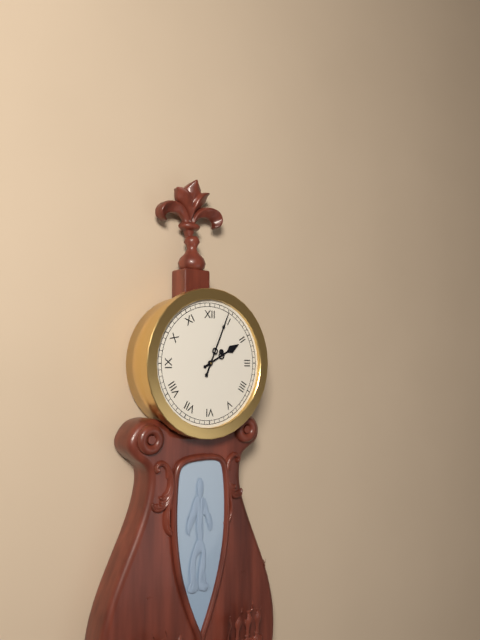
2:04
